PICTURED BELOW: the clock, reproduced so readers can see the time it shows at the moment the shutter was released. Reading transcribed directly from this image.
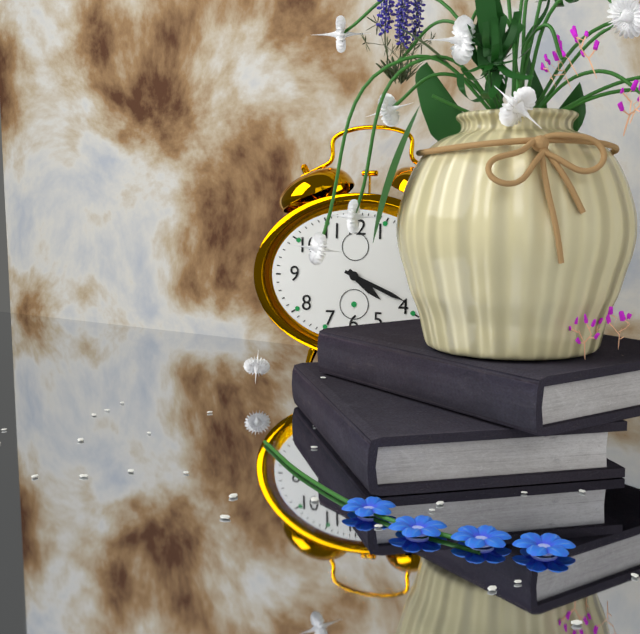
4:19
